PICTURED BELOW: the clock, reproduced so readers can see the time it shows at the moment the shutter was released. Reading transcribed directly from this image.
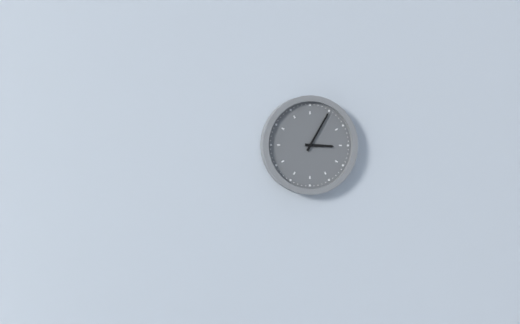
3:05
